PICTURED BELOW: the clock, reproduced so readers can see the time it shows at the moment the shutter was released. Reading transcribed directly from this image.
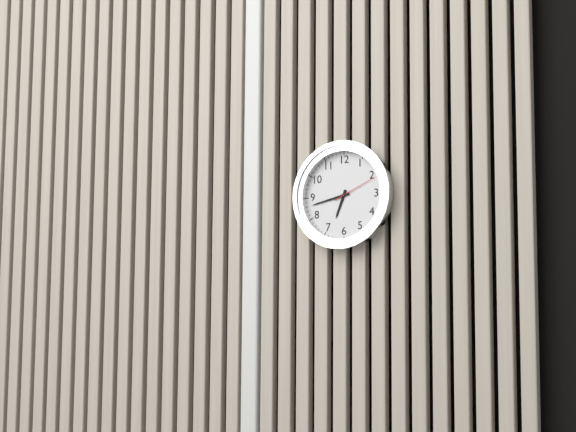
6:43
